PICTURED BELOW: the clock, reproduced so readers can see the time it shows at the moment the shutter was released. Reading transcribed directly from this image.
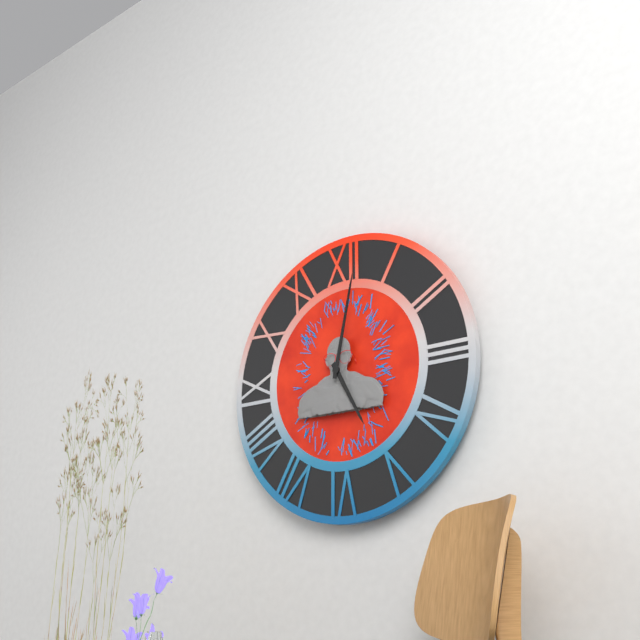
5:02
